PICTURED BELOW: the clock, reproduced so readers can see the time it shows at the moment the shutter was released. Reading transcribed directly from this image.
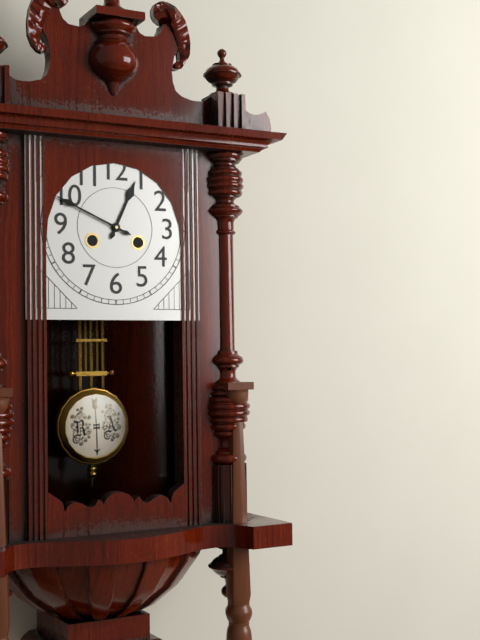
12:49
